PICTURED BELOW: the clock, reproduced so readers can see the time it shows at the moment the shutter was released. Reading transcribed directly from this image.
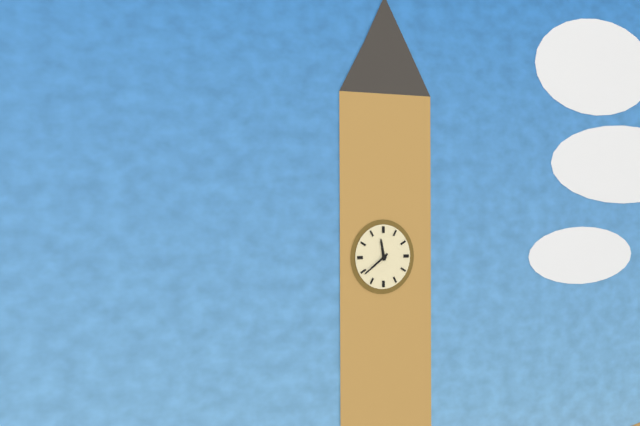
11:39
